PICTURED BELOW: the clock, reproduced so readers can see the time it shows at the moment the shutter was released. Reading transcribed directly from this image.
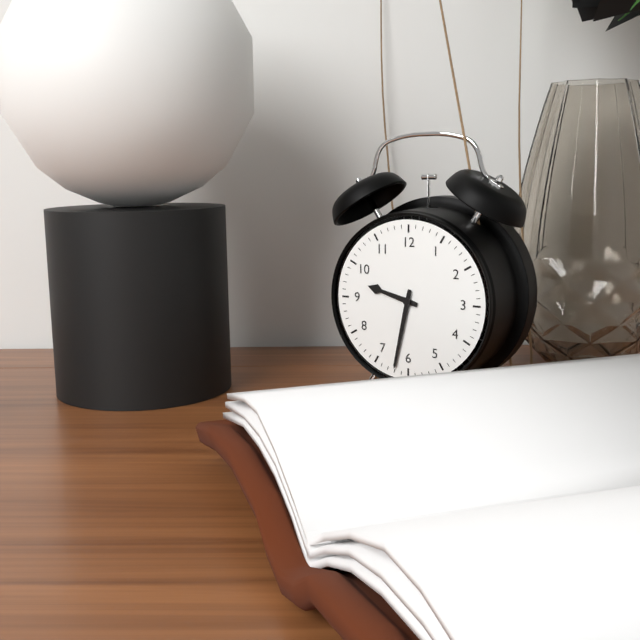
9:32
